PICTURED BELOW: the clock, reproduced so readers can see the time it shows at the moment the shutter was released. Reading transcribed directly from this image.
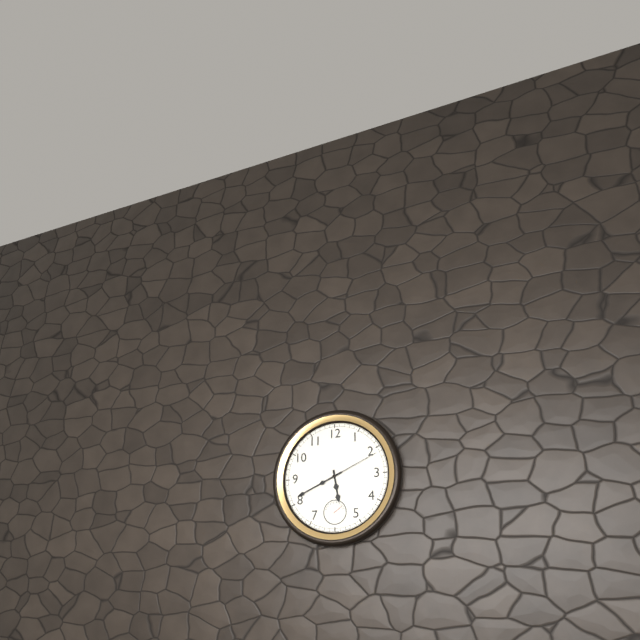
5:41:11
